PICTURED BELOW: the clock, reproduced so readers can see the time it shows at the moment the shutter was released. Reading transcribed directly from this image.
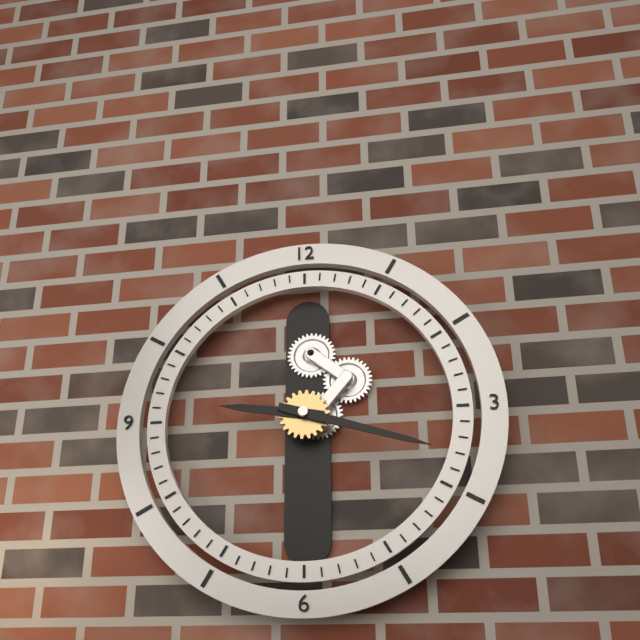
9:18
